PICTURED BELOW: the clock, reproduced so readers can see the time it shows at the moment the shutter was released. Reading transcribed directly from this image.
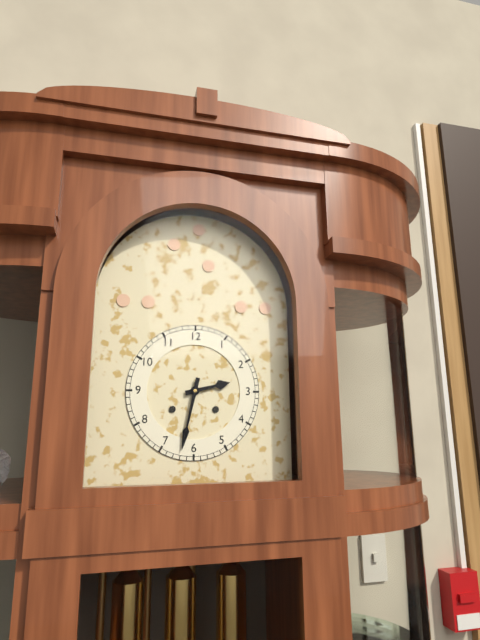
2:32
